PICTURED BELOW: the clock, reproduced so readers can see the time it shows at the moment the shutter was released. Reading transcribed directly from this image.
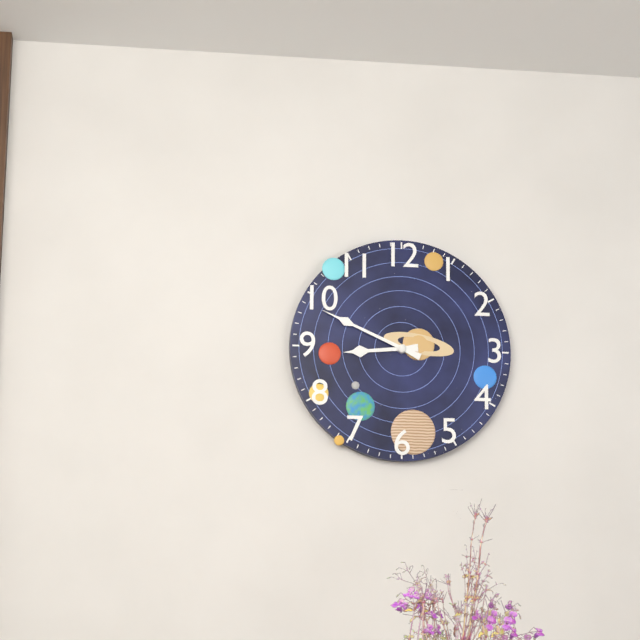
8:49
